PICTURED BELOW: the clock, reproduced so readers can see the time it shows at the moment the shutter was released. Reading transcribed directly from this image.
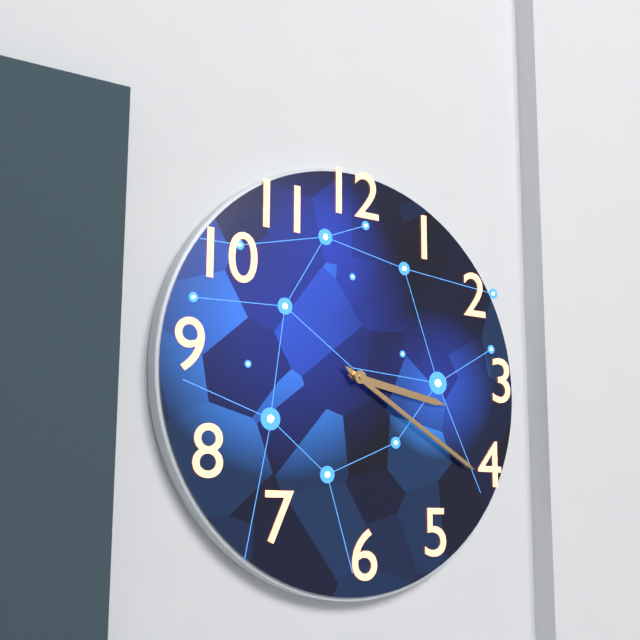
3:20
